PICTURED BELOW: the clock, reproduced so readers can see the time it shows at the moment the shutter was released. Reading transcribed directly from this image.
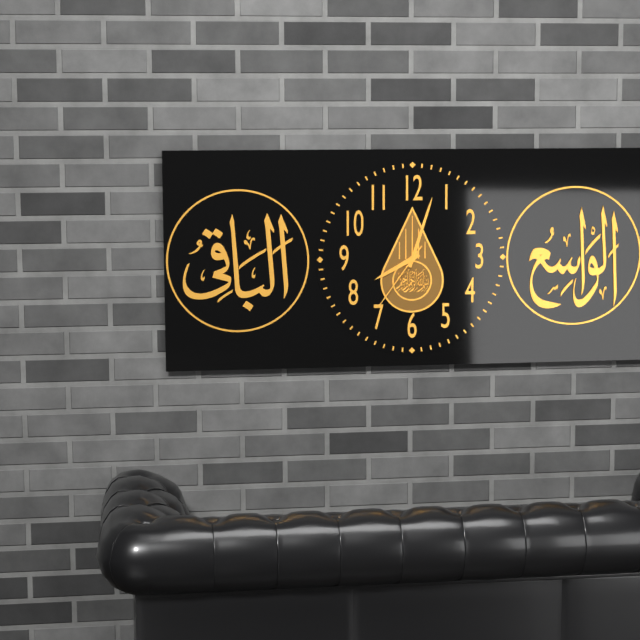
8:03:36
